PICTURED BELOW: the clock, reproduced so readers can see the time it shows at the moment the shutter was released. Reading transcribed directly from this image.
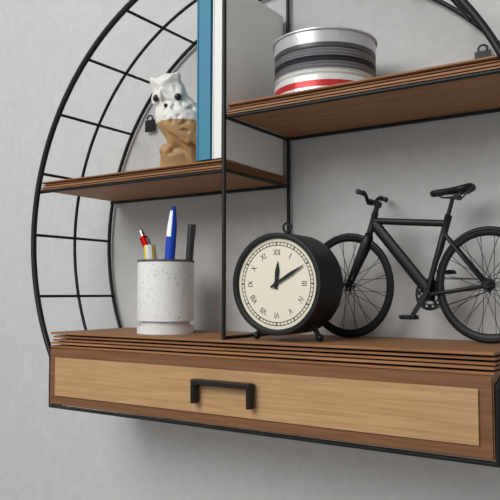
12:10
